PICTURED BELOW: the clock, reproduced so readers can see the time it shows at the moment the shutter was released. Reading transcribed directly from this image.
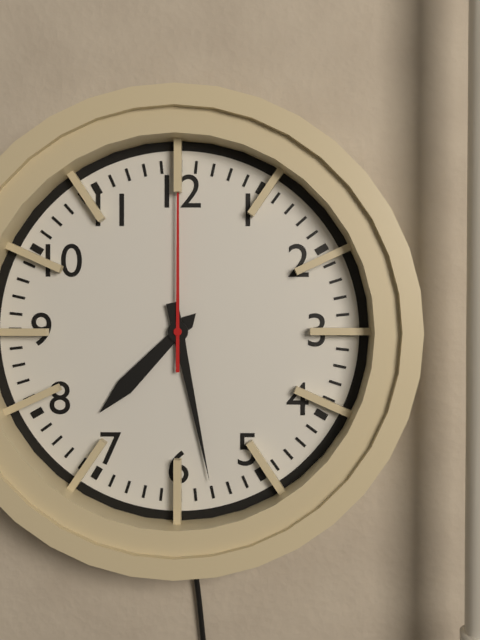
7:28:00
